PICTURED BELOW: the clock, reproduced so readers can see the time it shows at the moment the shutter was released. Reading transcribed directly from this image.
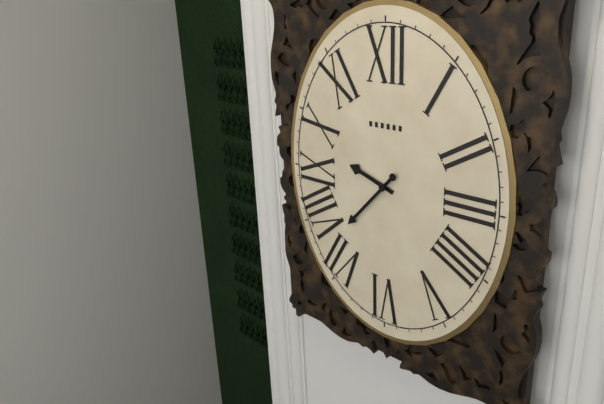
9:37
